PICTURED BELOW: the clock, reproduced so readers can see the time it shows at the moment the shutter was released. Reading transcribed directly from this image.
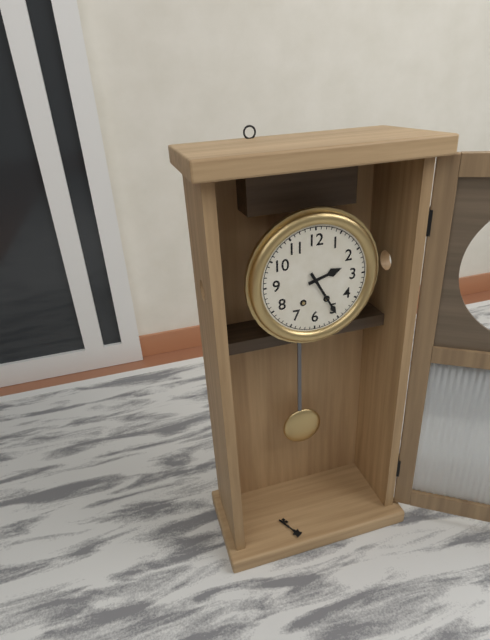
2:25
